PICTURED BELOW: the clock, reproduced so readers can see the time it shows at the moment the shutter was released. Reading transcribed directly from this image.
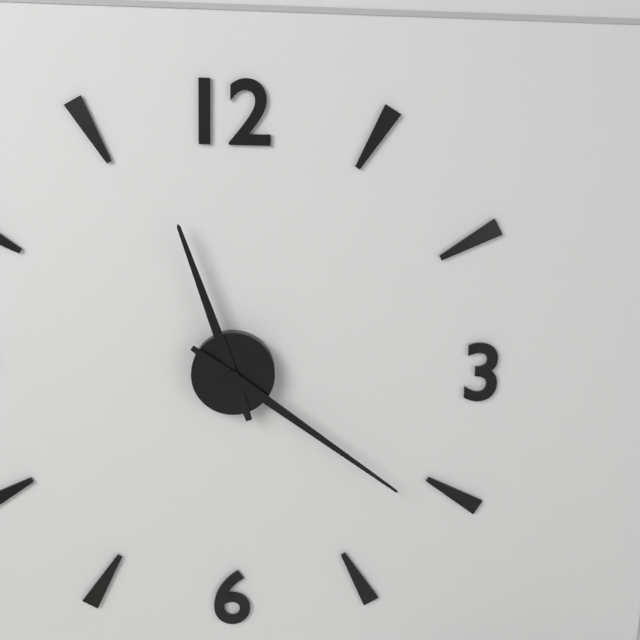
11:21
